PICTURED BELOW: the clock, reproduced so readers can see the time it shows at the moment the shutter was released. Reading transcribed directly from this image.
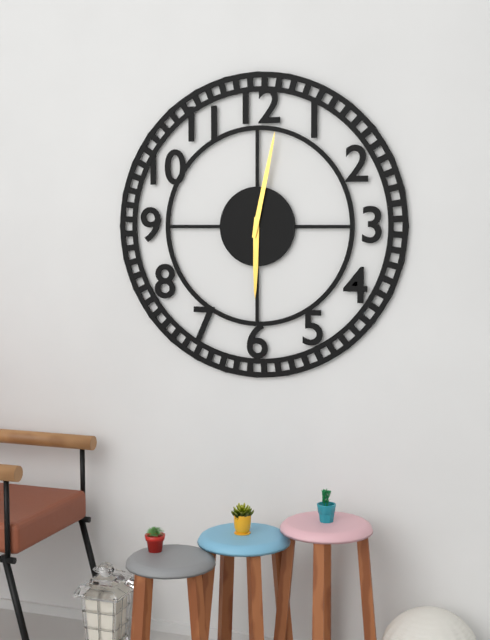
6:02
